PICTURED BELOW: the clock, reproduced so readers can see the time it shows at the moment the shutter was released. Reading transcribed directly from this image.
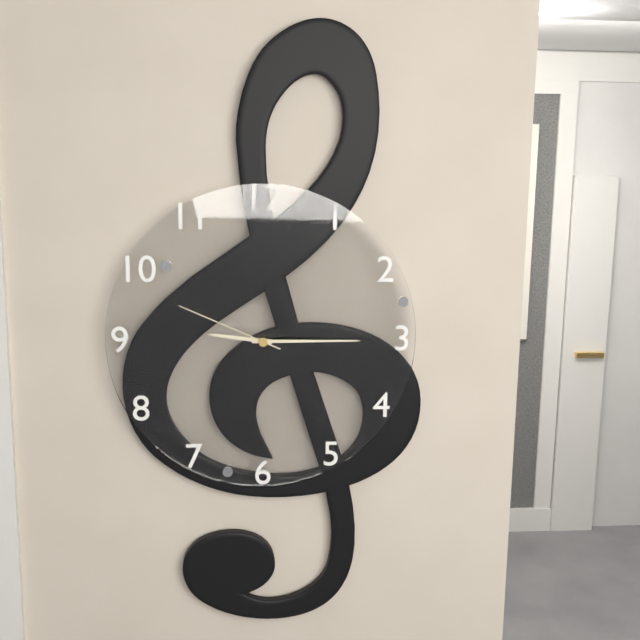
9:15:49
